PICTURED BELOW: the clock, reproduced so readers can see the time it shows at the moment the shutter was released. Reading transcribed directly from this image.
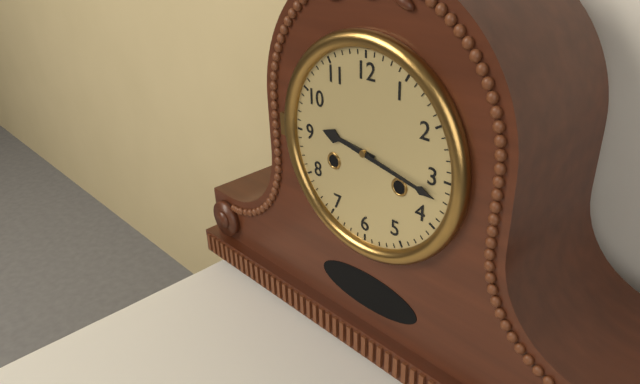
9:17
